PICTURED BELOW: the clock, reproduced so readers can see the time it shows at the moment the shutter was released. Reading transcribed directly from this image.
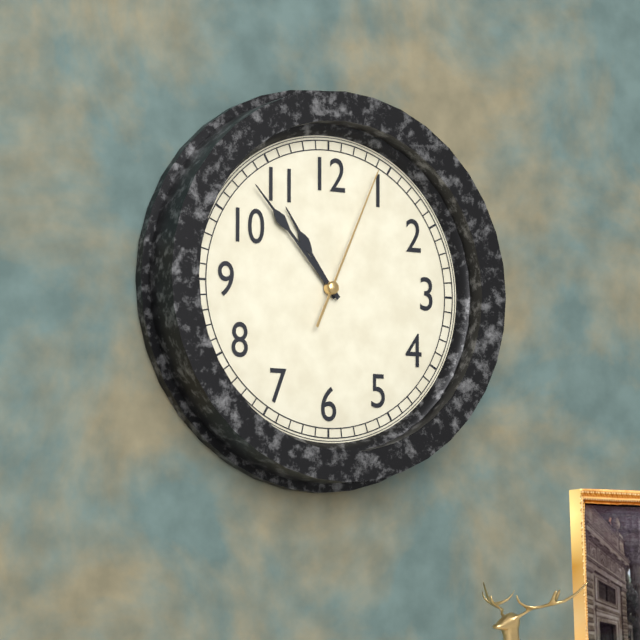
10:53:04
